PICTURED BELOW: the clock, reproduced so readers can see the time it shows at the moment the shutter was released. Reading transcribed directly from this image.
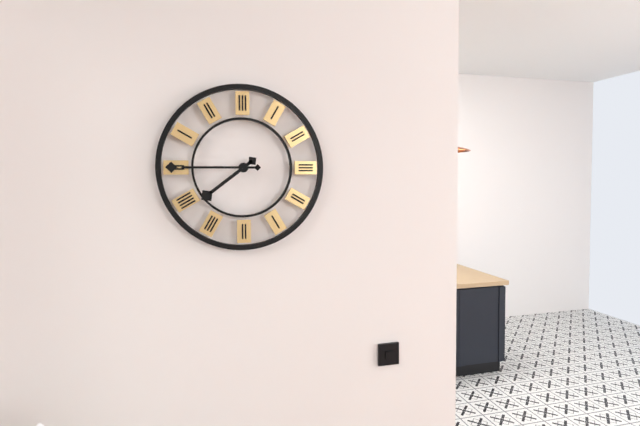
7:45
